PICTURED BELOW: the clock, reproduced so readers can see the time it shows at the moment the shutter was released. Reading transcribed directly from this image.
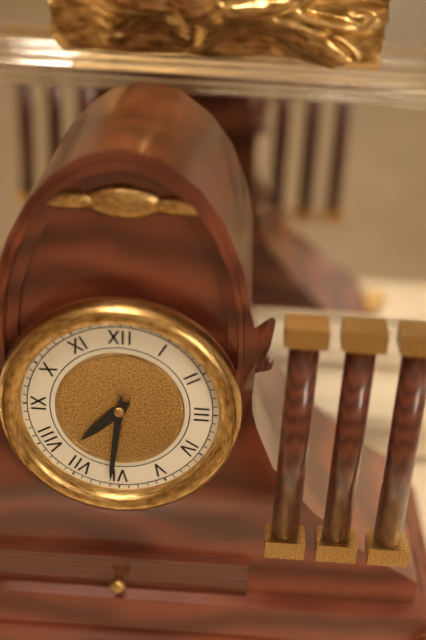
7:31
